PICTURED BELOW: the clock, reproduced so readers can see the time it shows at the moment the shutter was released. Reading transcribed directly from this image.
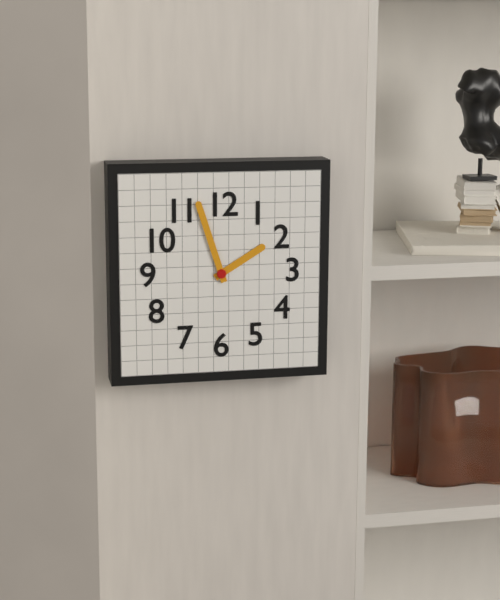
1:57
